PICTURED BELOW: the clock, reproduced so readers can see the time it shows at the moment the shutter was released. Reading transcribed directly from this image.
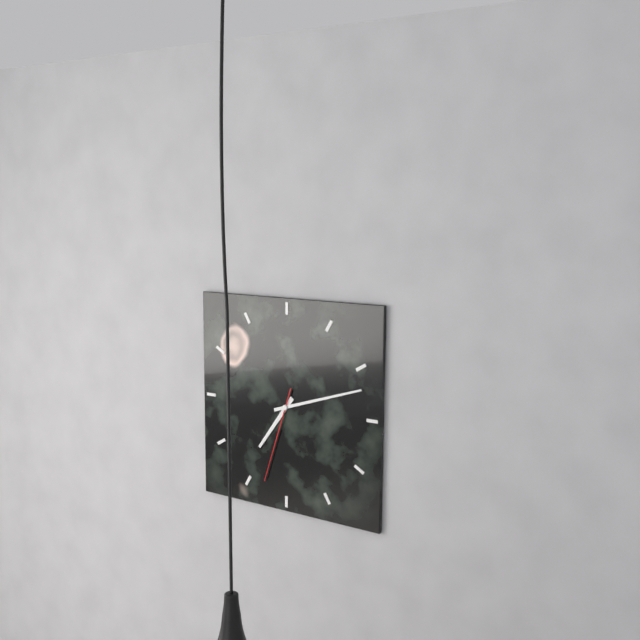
7:12:33
